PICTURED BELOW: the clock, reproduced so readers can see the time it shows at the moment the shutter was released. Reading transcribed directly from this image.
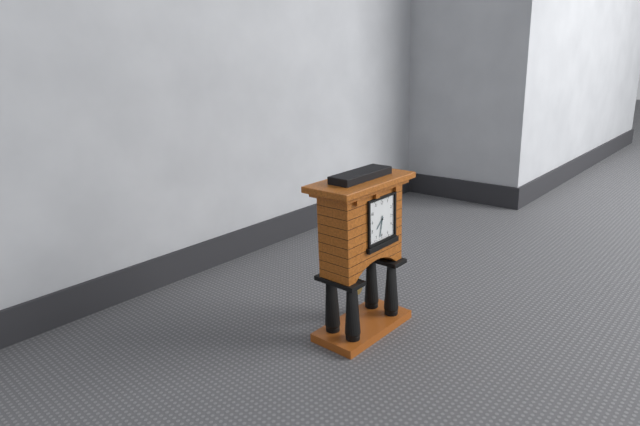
7:32
